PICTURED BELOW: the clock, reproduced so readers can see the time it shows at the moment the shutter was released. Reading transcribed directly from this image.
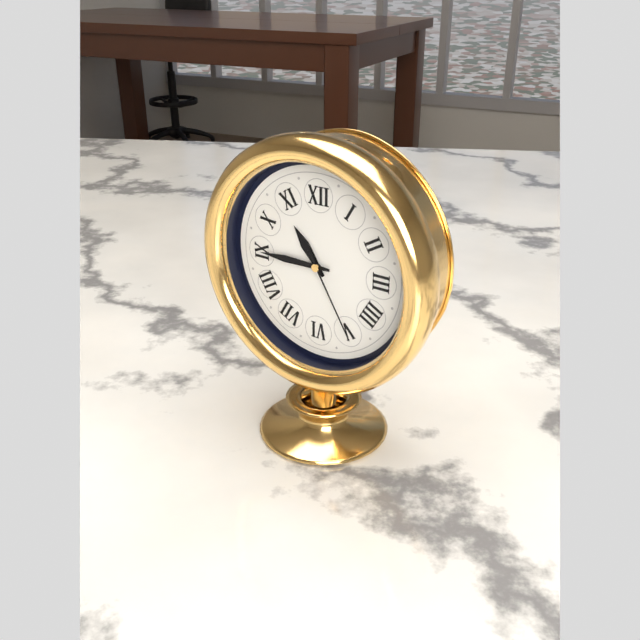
10:45:25
